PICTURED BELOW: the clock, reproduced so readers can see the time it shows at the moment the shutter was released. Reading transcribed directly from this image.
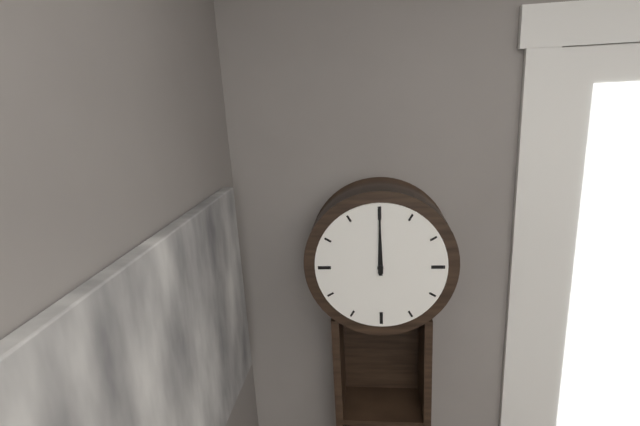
12:00
